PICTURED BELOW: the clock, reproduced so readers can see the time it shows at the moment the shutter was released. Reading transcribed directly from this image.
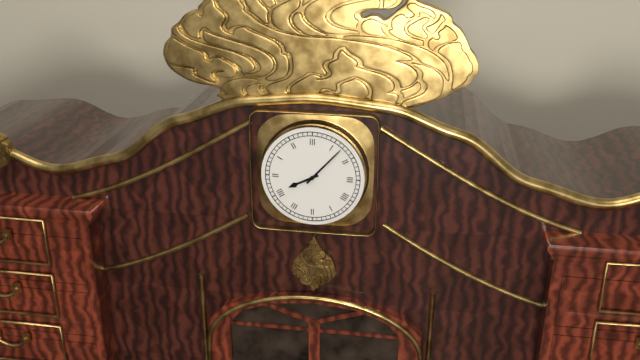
8:07
